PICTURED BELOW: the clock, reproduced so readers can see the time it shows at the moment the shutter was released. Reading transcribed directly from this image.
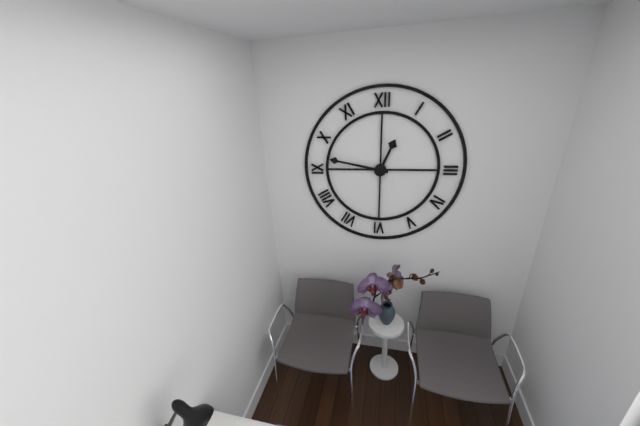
12:47
